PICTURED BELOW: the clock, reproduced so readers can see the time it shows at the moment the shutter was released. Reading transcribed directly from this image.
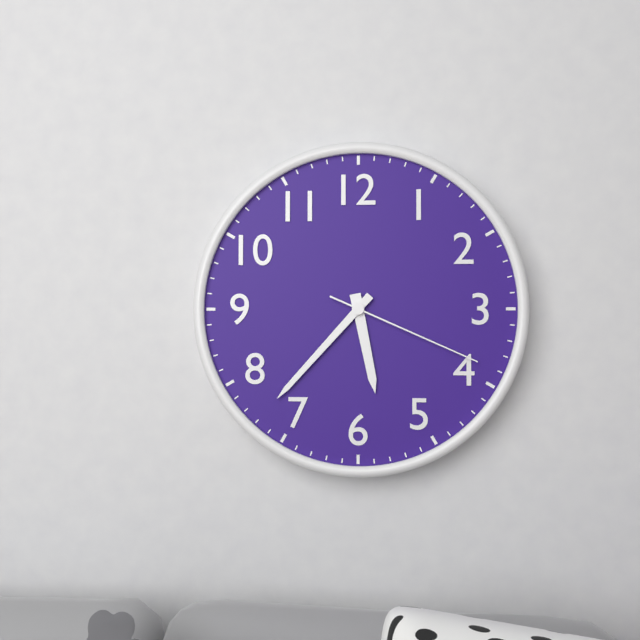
5:37:19
